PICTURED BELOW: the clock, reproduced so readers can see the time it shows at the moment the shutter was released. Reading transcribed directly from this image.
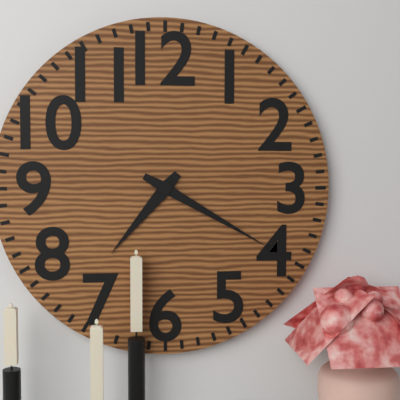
7:20
